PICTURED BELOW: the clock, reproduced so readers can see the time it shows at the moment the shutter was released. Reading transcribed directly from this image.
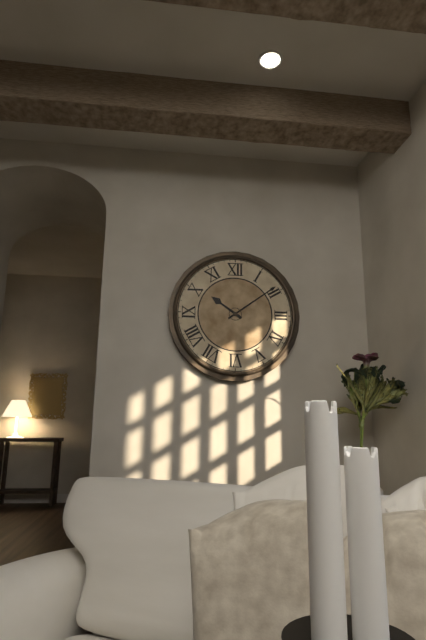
10:09
